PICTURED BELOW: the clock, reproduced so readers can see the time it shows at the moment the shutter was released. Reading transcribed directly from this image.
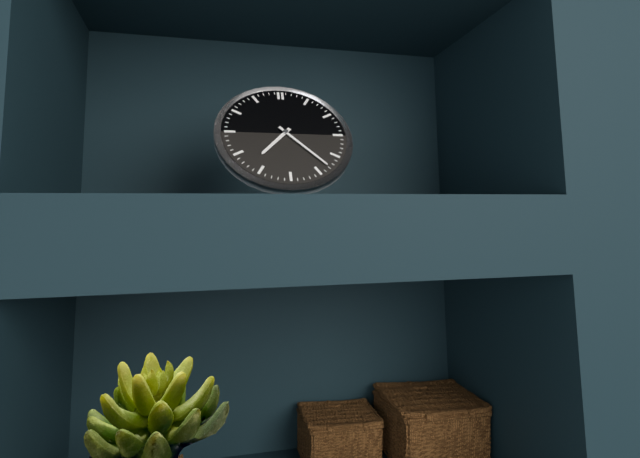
7:23
